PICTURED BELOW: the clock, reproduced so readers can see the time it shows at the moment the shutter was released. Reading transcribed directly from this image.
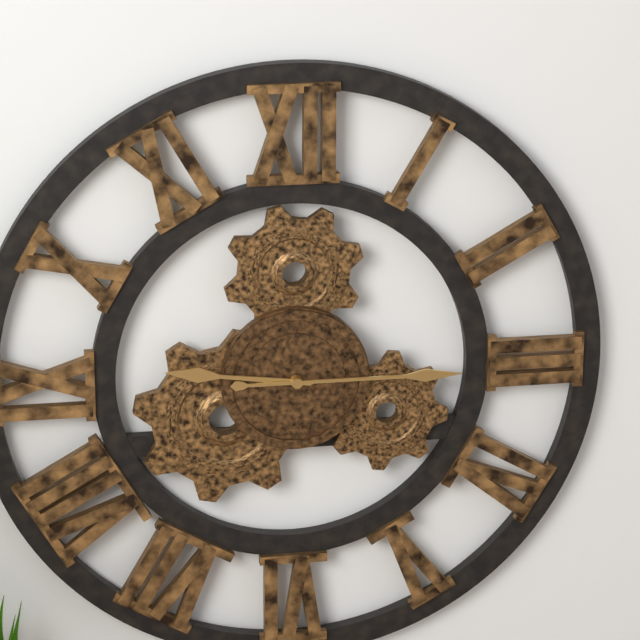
9:15
